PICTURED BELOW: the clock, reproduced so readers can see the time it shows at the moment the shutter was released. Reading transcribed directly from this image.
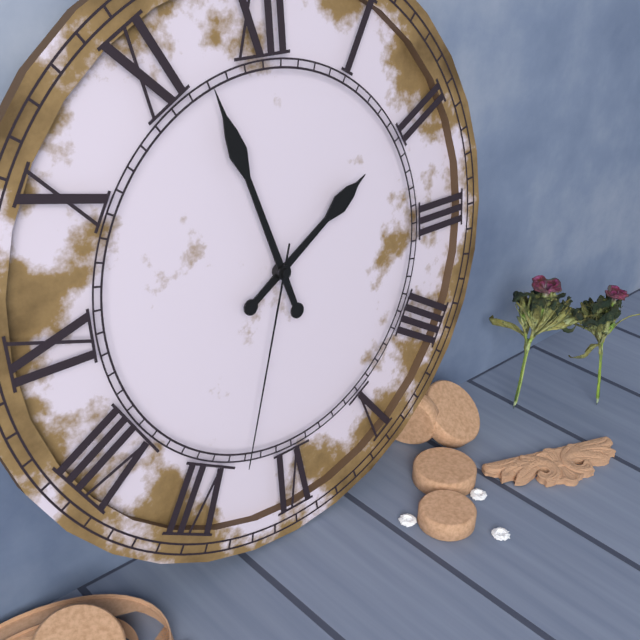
1:57:33
